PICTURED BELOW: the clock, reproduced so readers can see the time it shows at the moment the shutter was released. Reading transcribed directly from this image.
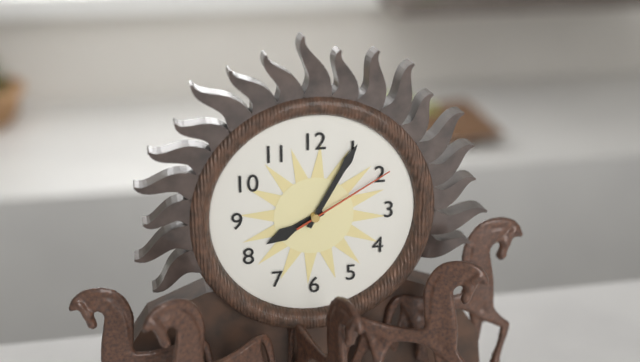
8:05:10
